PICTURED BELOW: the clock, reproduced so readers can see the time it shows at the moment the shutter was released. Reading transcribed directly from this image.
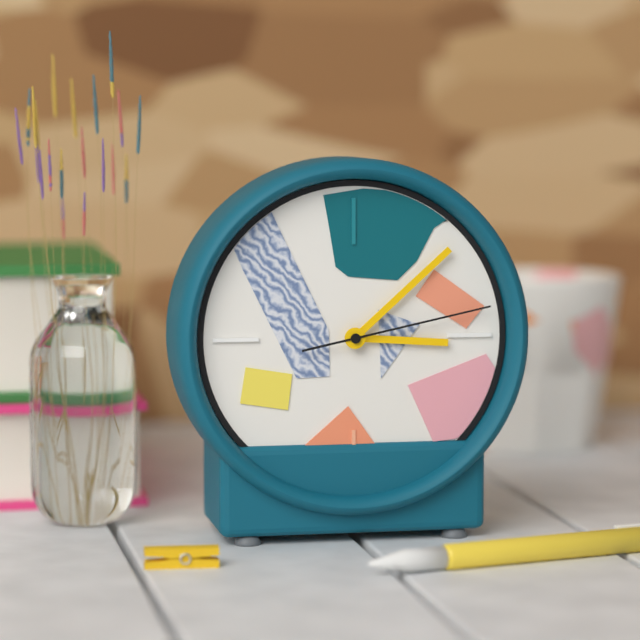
3:08:13
